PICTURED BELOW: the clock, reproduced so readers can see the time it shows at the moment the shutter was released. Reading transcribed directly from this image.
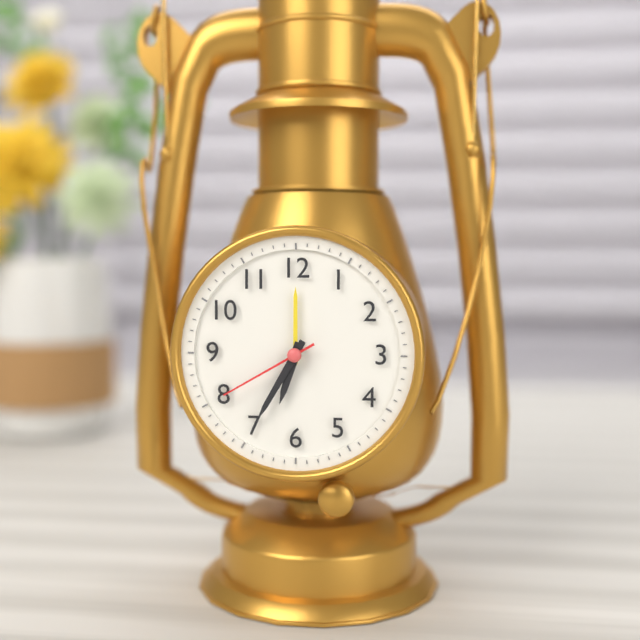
6:35:40
